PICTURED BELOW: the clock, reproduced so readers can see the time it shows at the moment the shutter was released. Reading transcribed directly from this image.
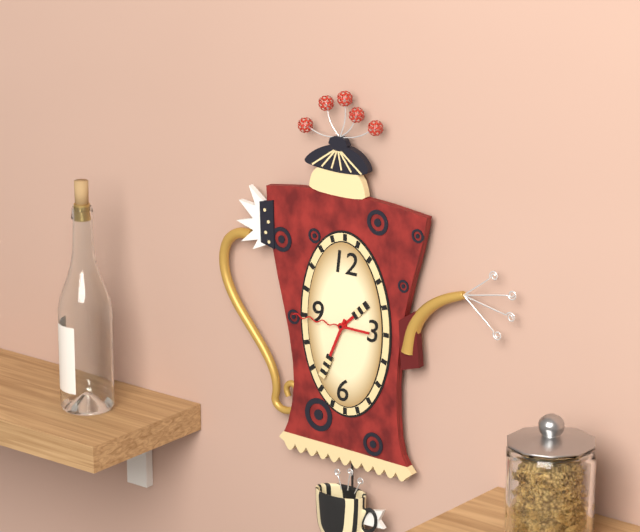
1:34:45
